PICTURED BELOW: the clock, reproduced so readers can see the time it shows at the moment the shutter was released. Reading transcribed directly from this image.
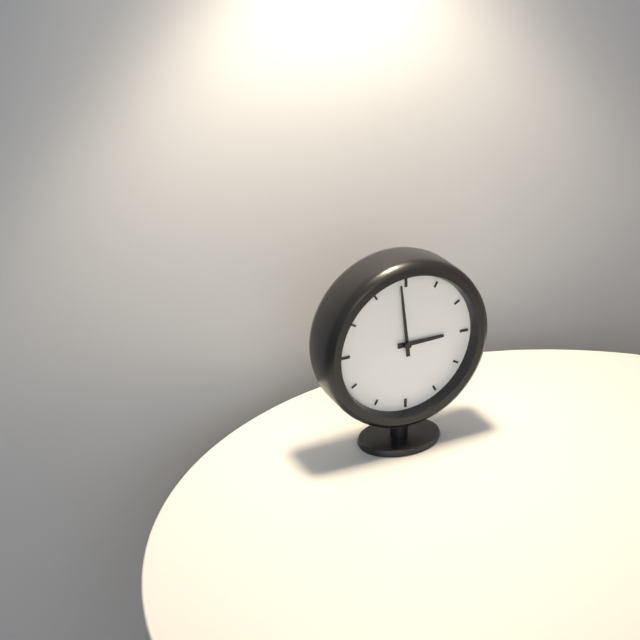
2:59
